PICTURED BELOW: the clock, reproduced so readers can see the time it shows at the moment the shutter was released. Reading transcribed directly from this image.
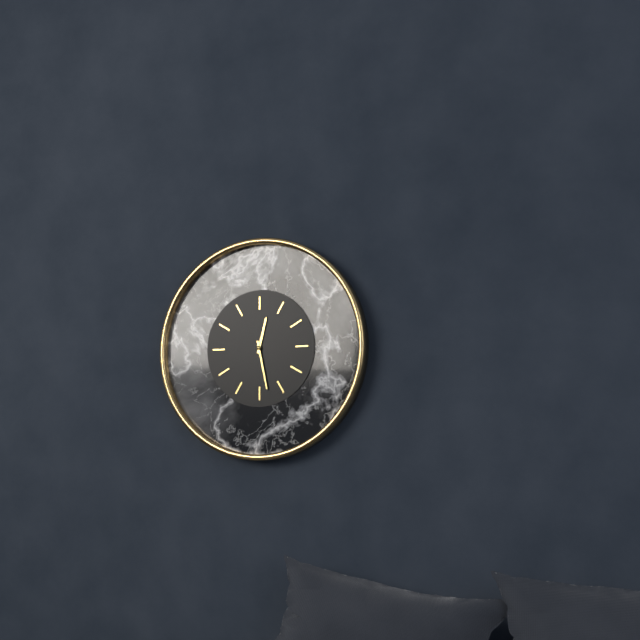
12:28
